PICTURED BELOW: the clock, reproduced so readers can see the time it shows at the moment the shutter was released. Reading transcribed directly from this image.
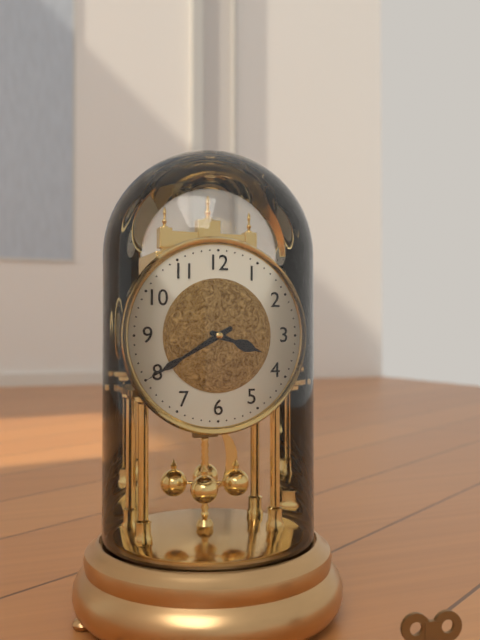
3:40
